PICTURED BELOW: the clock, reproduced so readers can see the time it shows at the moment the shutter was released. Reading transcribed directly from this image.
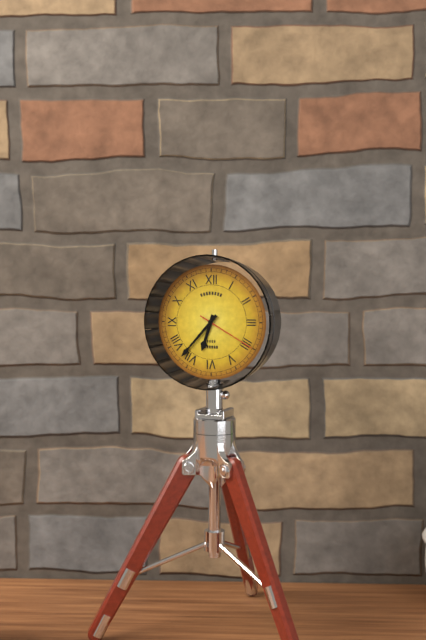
6:37:20
